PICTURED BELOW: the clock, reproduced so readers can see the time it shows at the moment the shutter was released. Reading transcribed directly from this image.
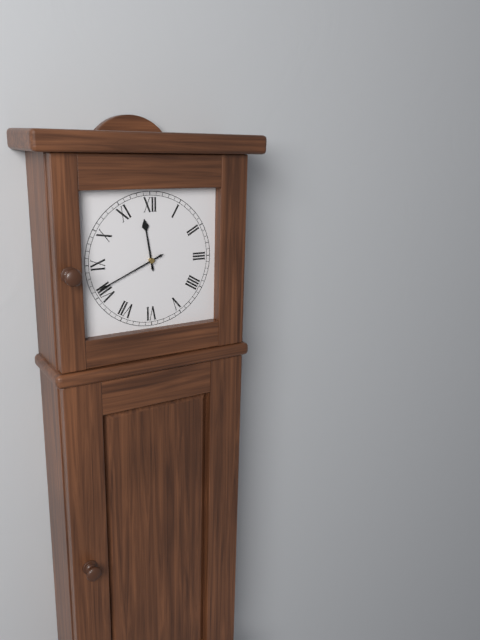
11:41
